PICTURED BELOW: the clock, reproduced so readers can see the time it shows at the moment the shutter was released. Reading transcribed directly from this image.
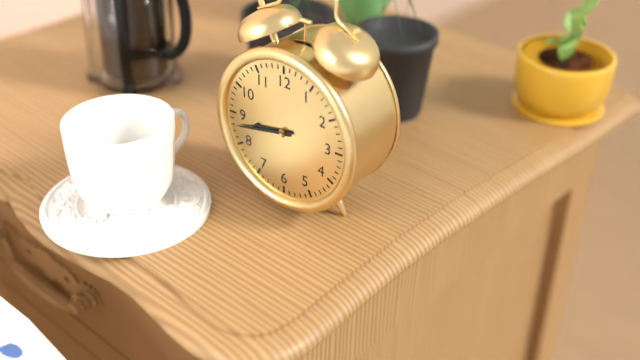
8:43
